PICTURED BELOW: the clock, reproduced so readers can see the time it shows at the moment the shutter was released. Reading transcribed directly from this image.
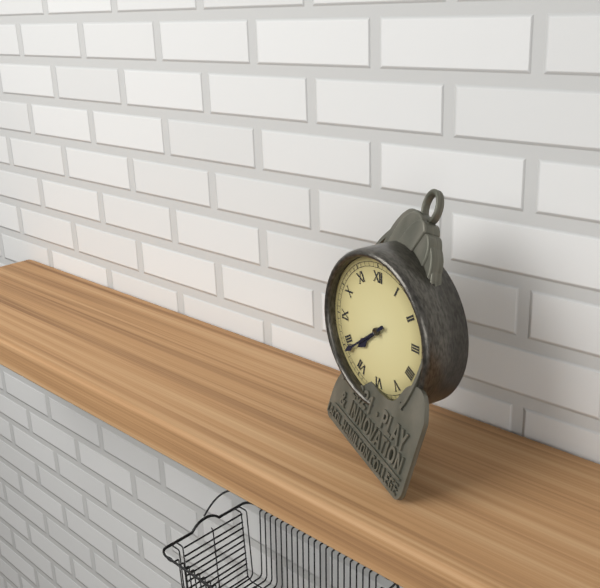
7:39
